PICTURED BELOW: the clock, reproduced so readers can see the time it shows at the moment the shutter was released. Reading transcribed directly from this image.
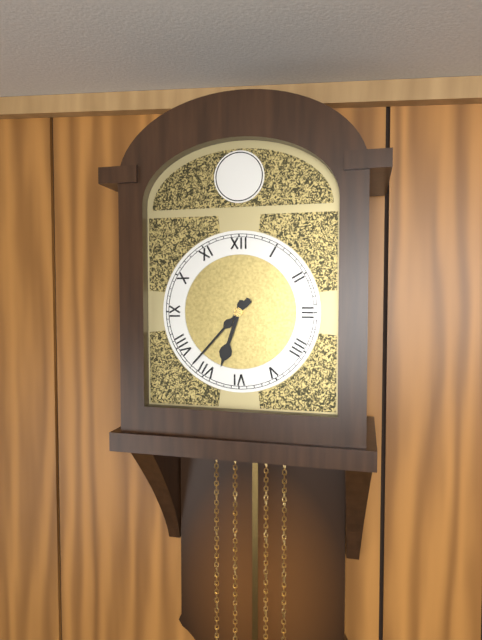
6:37
